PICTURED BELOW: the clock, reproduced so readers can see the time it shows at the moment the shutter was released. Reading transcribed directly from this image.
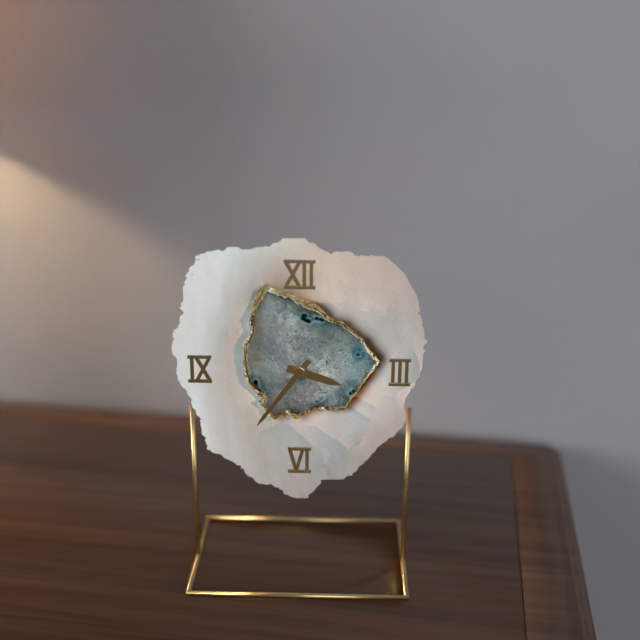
3:36
